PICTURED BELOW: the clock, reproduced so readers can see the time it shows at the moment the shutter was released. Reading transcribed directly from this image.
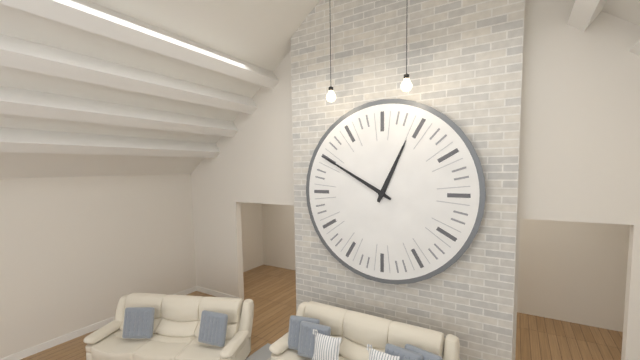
12:50
